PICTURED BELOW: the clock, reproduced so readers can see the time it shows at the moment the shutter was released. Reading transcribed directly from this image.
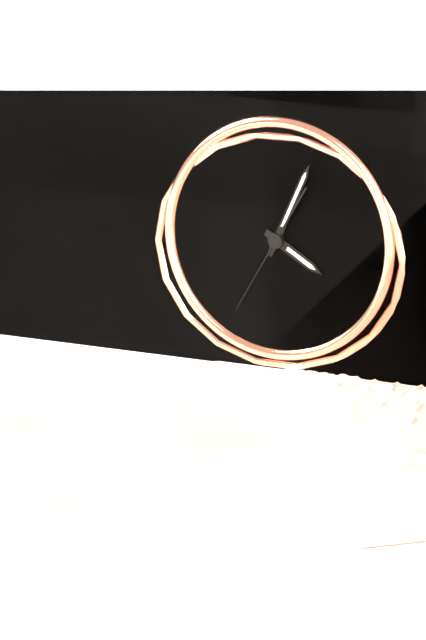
4:04:35
